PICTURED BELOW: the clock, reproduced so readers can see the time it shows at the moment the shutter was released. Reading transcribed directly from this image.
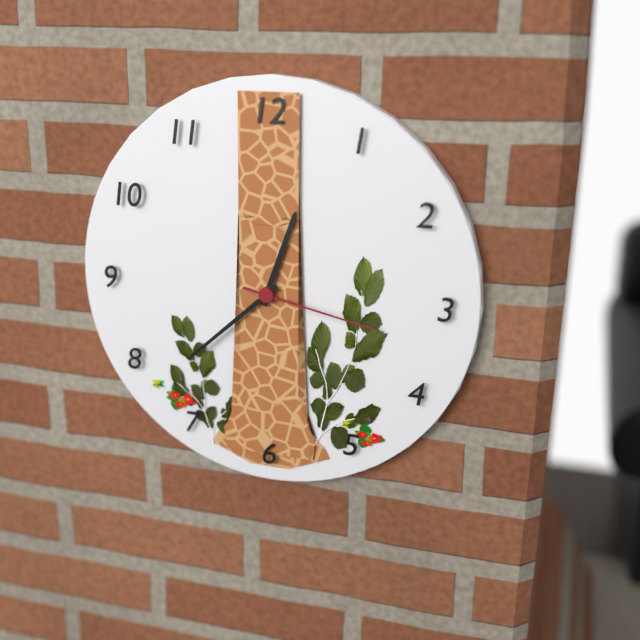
12:38:17
